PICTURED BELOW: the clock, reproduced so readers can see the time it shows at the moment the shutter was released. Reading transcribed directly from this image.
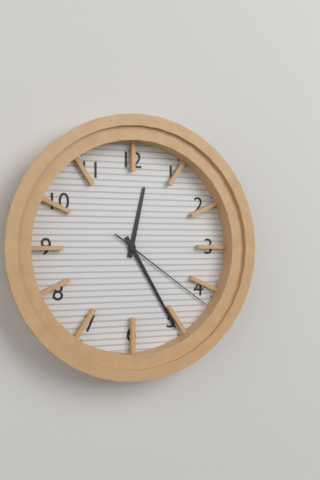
12:25:21
